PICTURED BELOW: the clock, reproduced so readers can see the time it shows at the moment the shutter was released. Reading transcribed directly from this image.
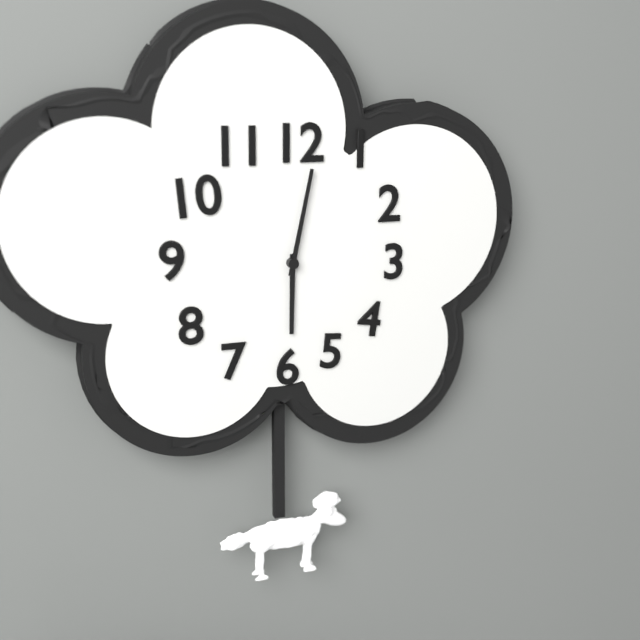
6:02
